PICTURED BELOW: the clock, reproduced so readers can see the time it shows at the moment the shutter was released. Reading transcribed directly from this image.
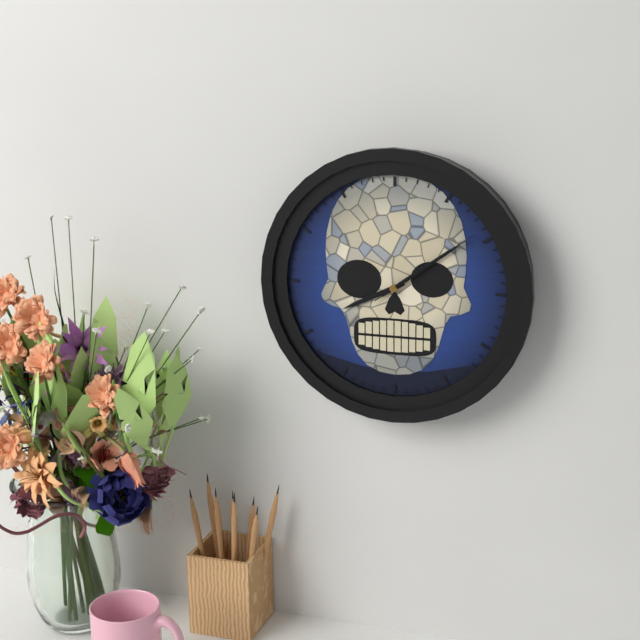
8:09:09
